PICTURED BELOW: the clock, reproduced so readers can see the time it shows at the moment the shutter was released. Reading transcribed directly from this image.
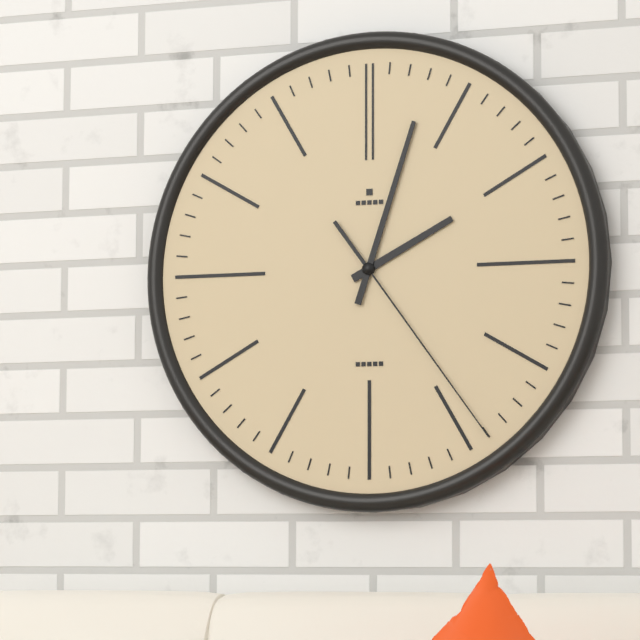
2:03:24
